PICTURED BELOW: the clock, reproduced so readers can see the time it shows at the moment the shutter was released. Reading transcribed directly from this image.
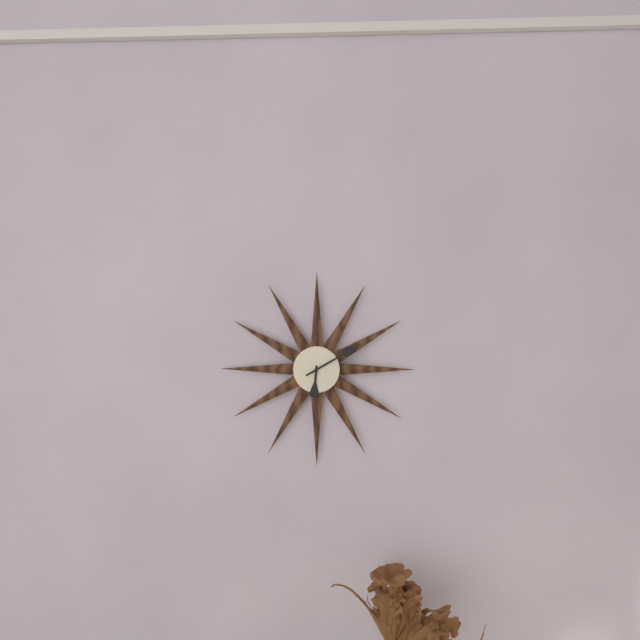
6:10
